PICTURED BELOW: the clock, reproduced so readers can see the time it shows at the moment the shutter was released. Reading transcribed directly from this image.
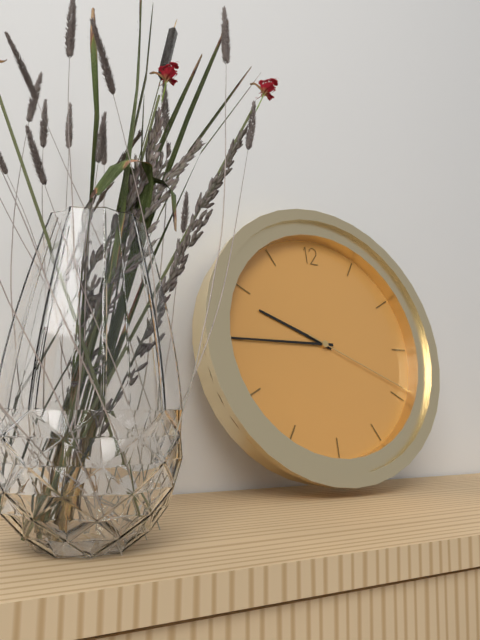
9:45:19
